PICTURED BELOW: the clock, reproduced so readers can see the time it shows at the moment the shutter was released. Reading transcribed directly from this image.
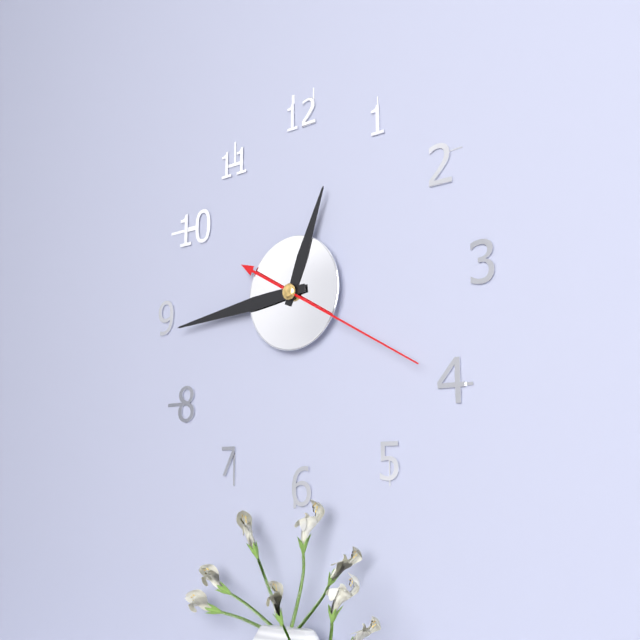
12:44:20
